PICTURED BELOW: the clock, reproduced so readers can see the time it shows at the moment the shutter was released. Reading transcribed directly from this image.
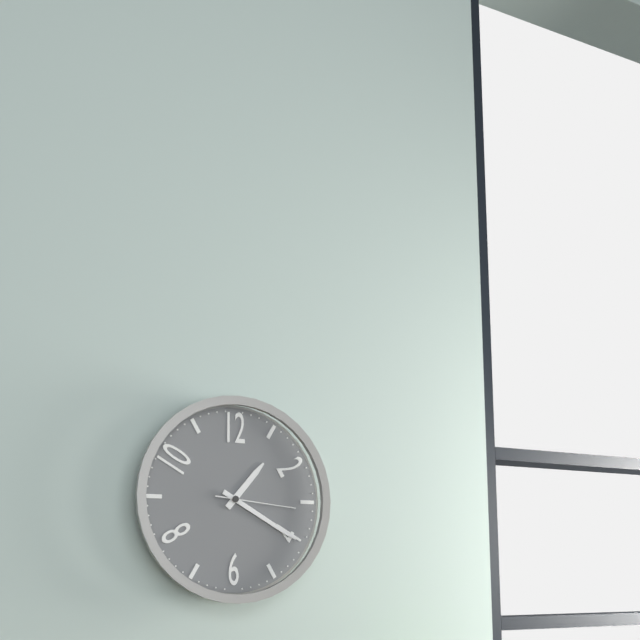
1:20:16
